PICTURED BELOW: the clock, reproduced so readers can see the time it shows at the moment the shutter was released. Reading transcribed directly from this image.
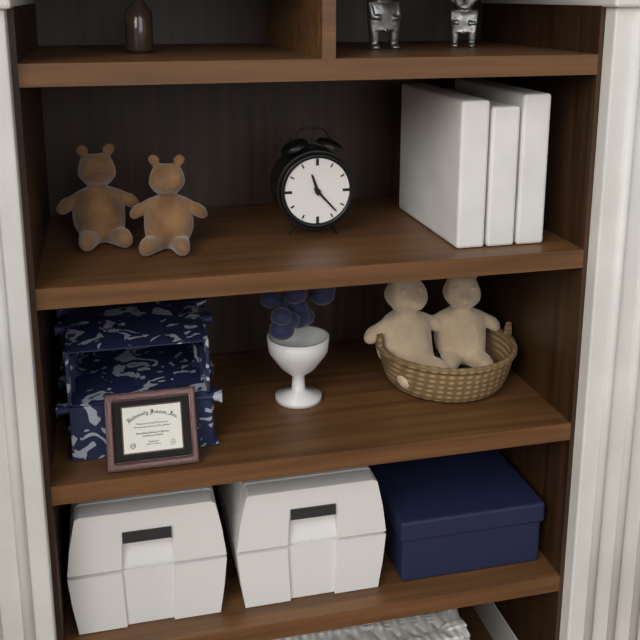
11:23
